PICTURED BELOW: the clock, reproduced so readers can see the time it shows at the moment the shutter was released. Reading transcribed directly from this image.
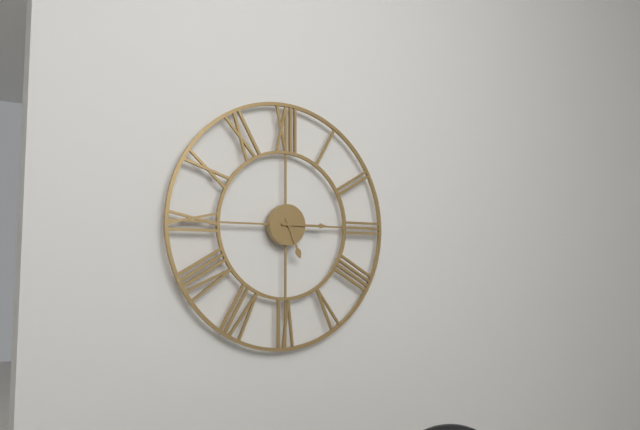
5:15
